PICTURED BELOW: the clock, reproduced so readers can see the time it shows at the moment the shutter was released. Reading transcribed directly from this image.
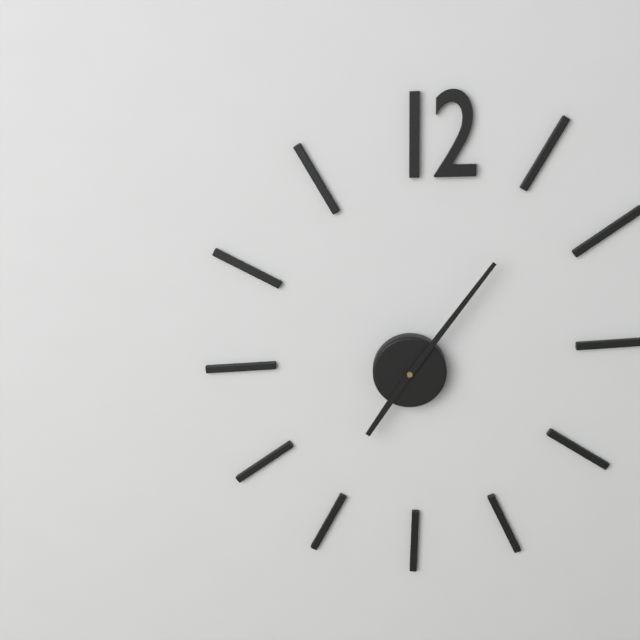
7:06
